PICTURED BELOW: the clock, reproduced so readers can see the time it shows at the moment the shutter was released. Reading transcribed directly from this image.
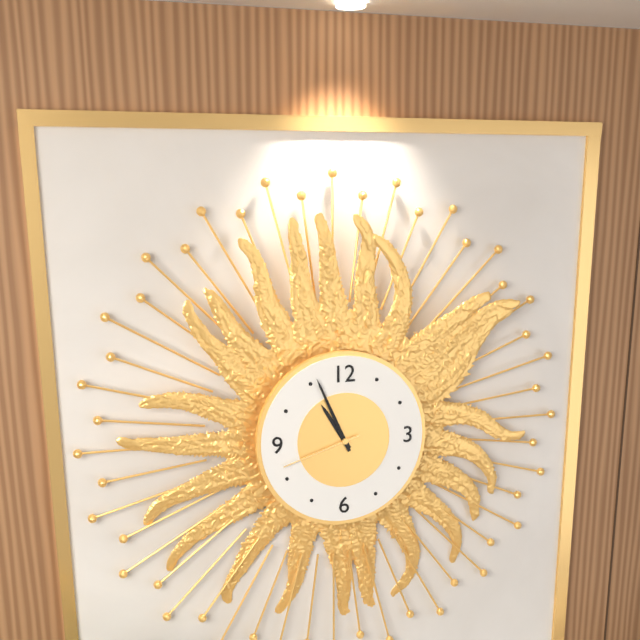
10:56:42
